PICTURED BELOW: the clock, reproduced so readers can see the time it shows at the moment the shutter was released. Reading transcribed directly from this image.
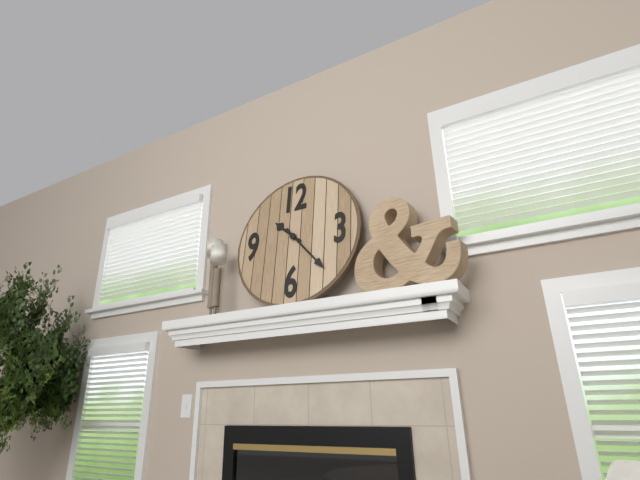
10:23
